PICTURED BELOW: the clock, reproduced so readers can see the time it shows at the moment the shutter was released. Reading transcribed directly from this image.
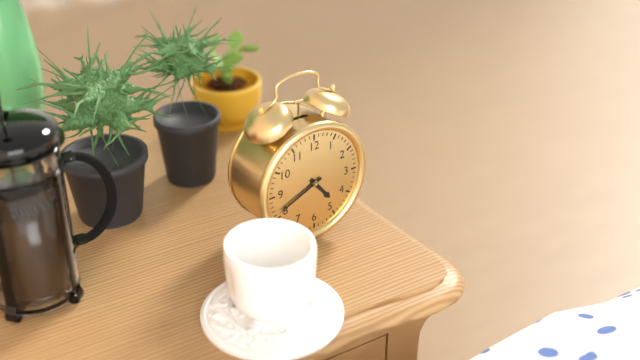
4:41
